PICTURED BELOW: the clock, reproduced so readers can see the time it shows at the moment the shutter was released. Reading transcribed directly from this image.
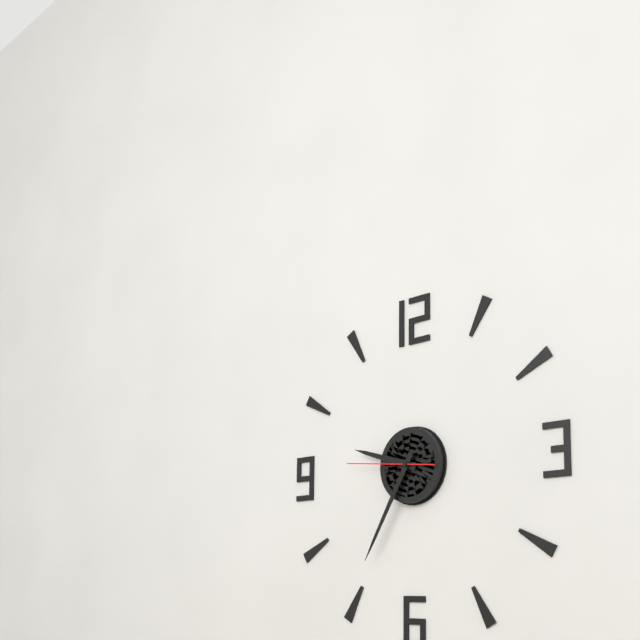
9:35:46
